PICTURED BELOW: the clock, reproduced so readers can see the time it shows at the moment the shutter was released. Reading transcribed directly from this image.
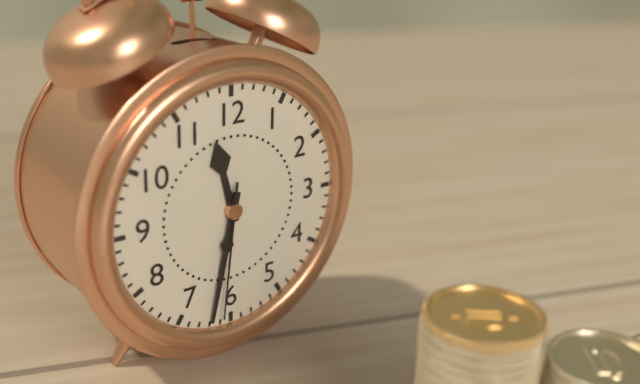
11:32:31
